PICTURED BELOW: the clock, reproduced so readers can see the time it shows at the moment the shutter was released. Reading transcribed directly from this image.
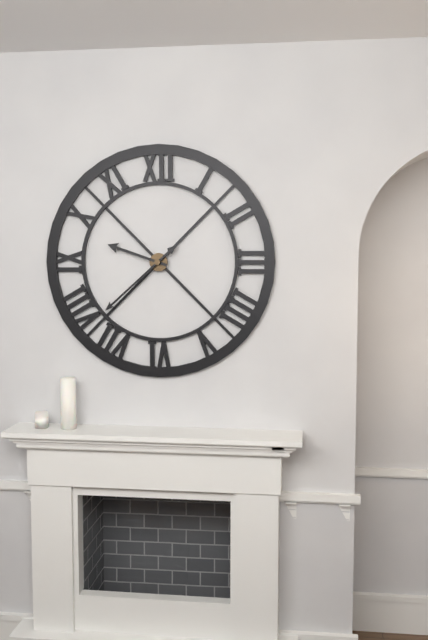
9:38
